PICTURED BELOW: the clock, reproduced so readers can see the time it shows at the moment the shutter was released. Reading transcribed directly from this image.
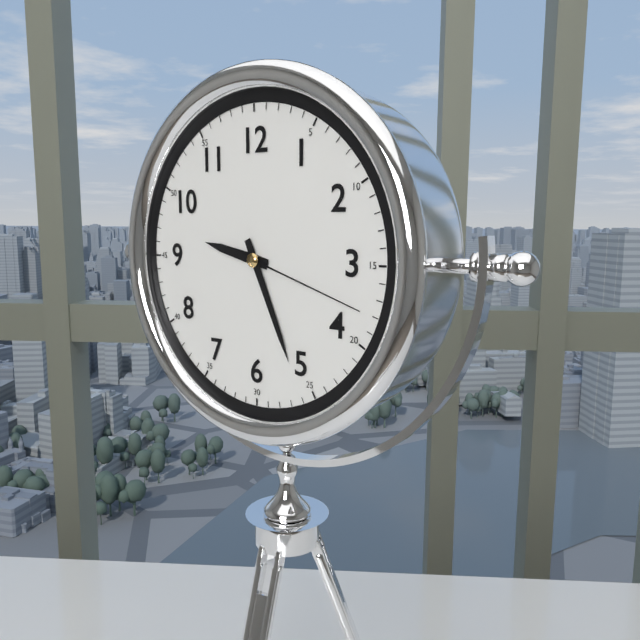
9:26:18
